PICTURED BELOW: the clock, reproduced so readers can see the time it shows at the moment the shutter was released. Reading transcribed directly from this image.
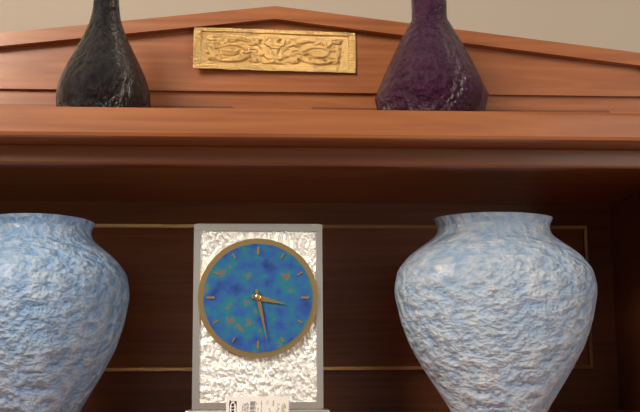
3:28
